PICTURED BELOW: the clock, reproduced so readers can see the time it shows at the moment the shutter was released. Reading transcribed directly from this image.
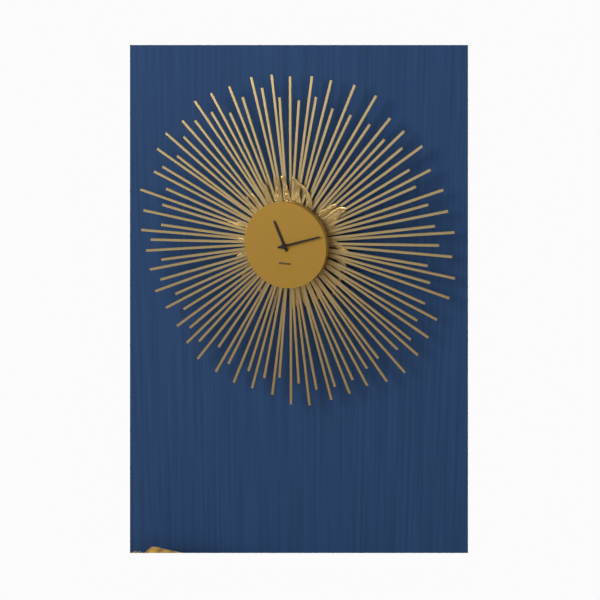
11:12
